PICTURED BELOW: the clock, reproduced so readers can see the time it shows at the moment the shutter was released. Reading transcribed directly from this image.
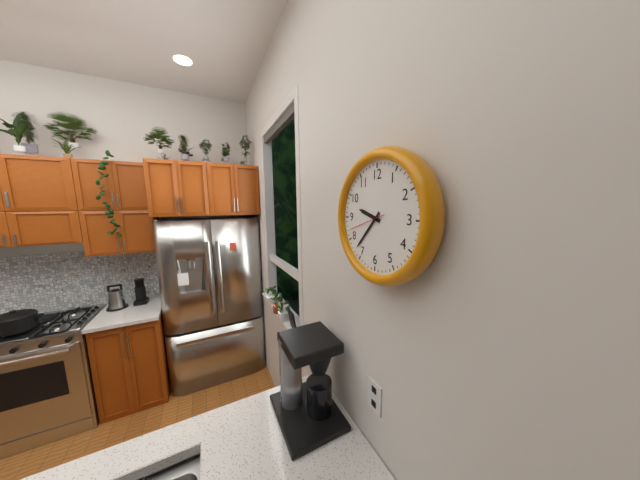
9:37
